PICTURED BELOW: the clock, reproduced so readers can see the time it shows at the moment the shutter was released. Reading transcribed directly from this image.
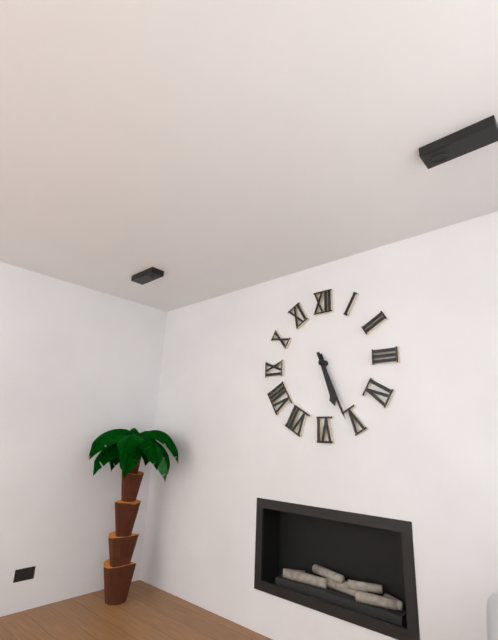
5:26
